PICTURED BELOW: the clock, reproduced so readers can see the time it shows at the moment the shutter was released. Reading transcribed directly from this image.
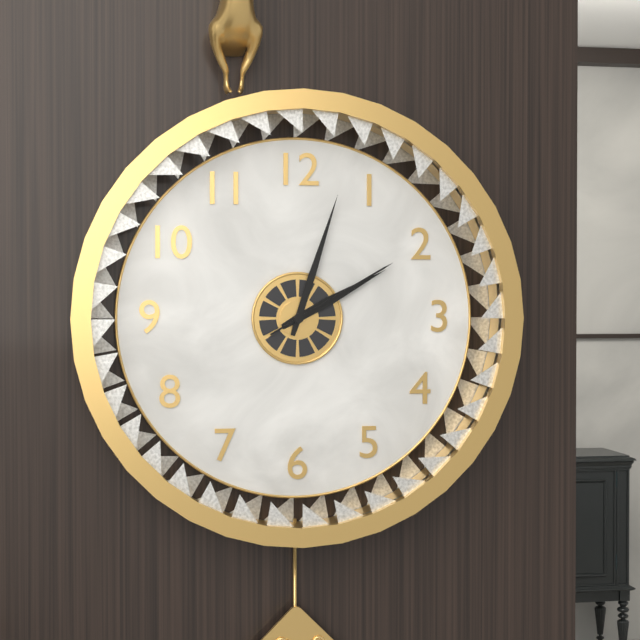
2:03:10
